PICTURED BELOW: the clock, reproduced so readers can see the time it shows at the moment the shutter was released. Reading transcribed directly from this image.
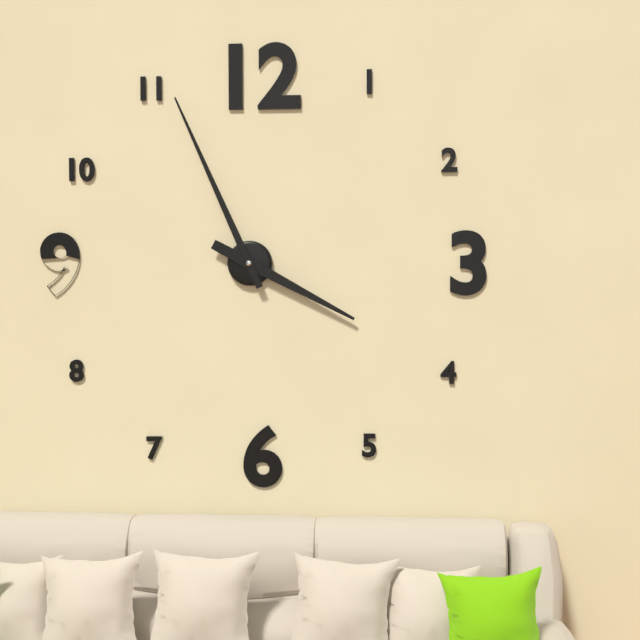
3:56
